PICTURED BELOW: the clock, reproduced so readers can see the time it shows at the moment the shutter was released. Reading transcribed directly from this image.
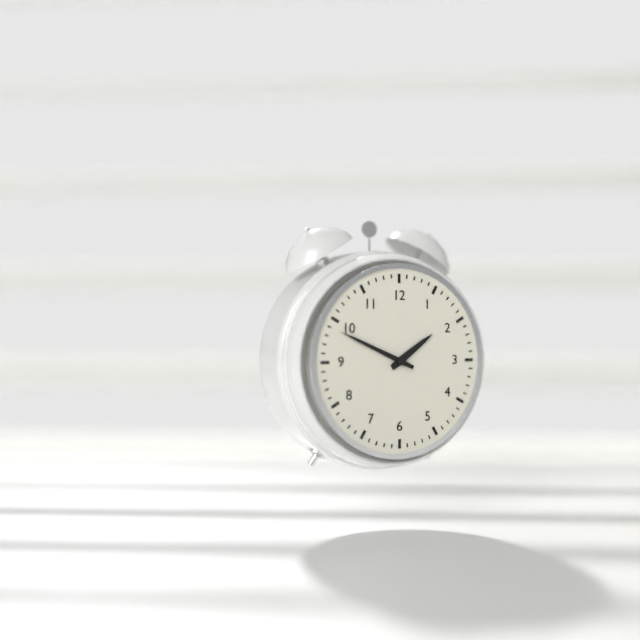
1:49
